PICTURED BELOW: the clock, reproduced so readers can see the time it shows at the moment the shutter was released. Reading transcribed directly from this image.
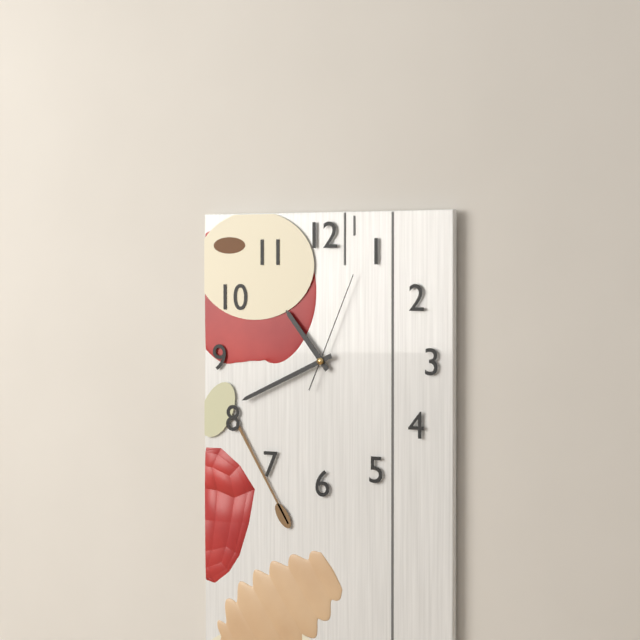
10:41:04
